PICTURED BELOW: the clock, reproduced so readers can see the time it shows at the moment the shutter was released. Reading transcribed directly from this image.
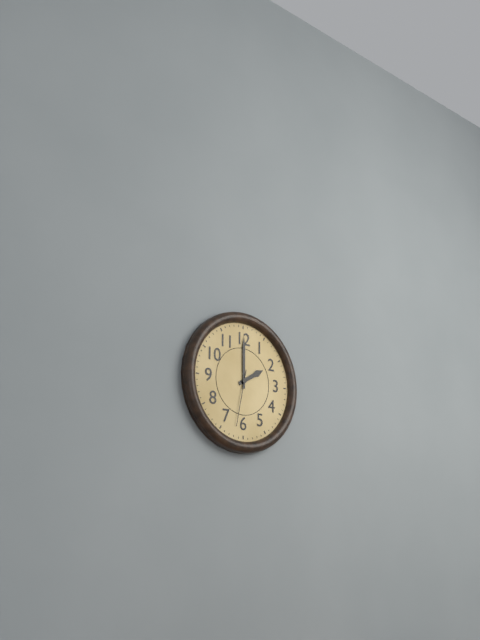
2:00:32
